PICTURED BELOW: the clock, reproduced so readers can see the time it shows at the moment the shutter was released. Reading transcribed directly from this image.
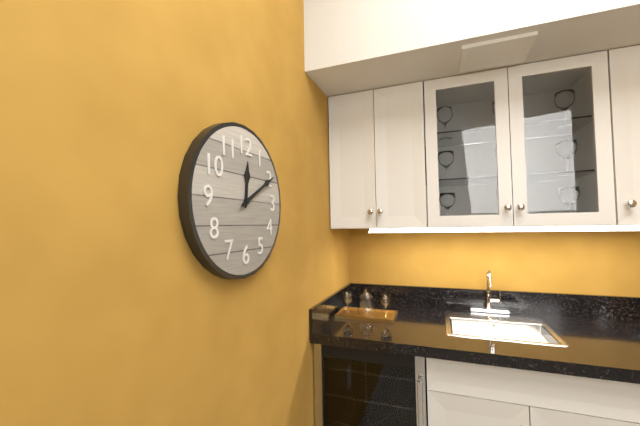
12:10
